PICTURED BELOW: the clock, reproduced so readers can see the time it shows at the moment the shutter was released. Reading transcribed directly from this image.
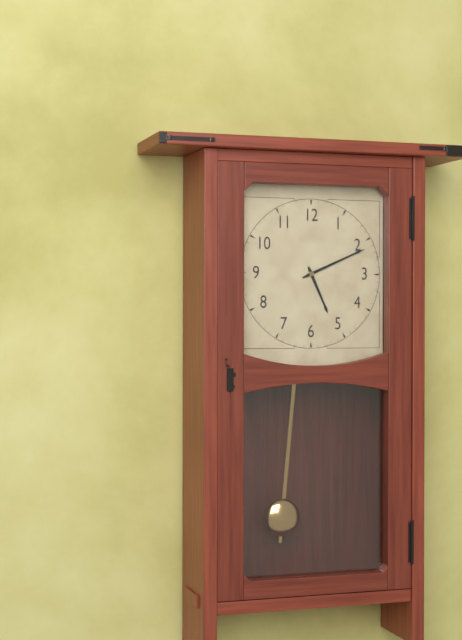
5:11
